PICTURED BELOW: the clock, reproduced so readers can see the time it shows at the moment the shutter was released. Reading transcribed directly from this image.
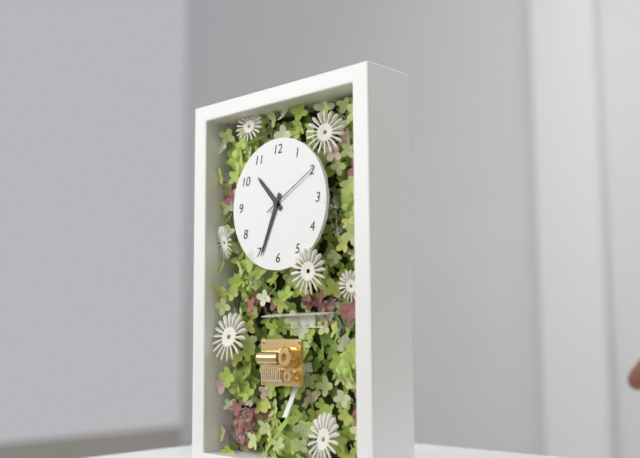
10:34:10
